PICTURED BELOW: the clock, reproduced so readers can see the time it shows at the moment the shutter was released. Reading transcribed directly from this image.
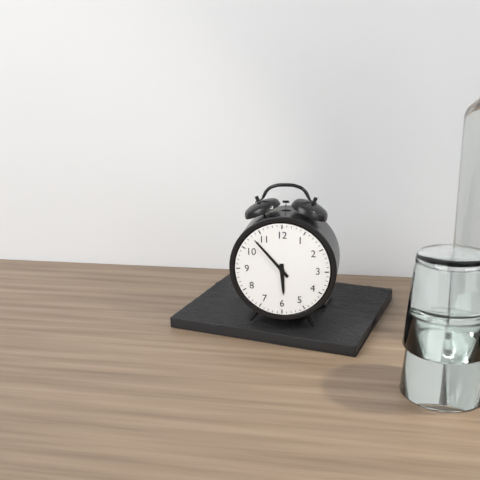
5:53
